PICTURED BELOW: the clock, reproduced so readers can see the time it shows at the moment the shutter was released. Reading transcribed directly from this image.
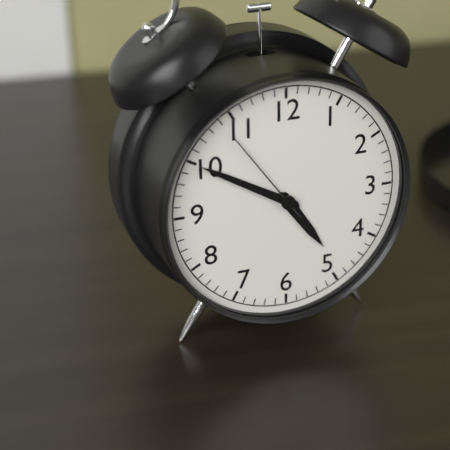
4:50:54
